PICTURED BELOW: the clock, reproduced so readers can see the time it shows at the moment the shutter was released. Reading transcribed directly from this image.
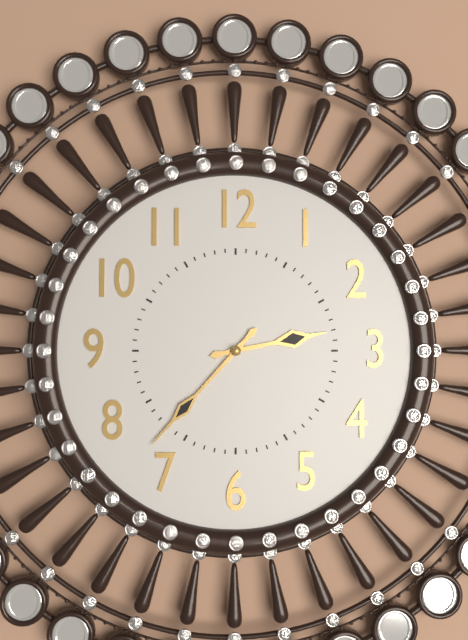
2:37
